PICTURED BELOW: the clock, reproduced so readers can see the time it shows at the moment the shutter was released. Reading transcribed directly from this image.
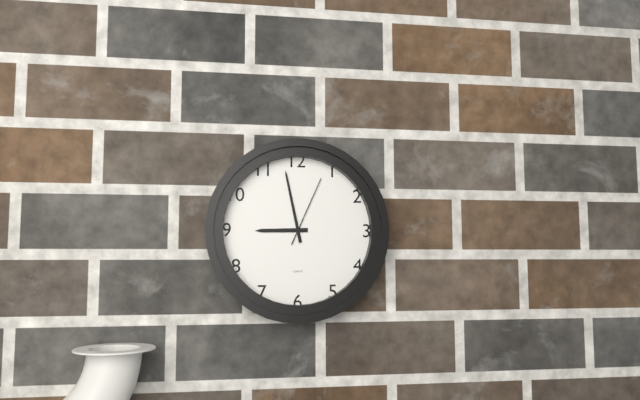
8:58:04
